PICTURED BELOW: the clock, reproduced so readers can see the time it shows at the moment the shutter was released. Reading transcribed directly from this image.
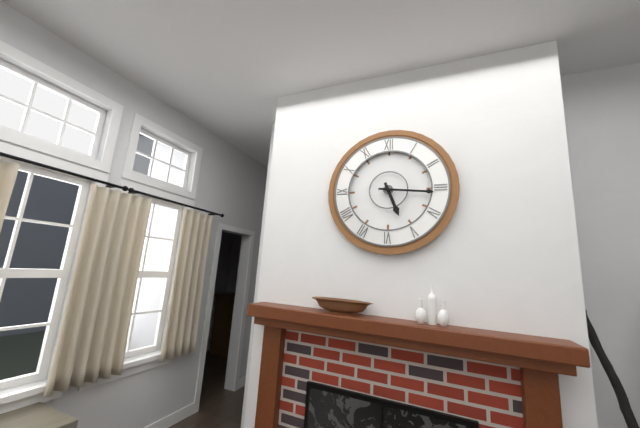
5:16
